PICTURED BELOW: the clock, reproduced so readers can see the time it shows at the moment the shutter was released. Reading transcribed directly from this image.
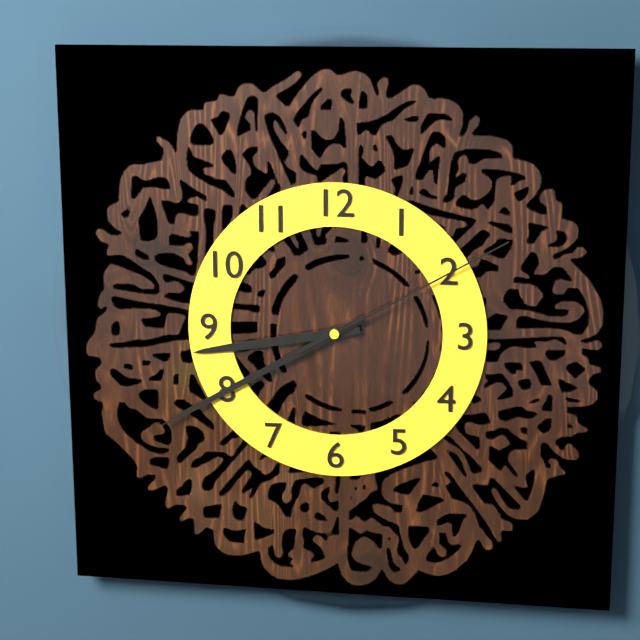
8:40:10
